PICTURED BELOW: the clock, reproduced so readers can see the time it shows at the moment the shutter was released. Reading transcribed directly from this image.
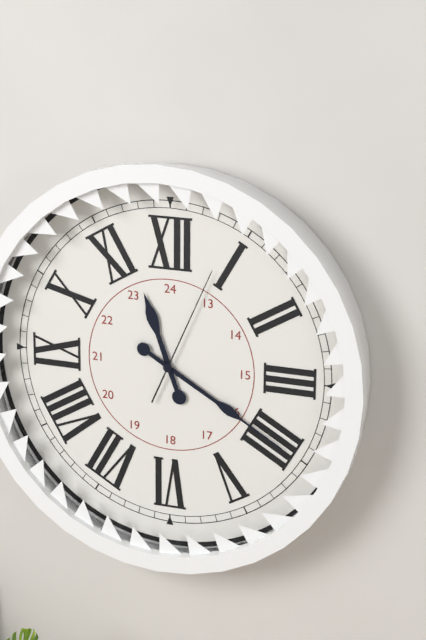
11:20:04
